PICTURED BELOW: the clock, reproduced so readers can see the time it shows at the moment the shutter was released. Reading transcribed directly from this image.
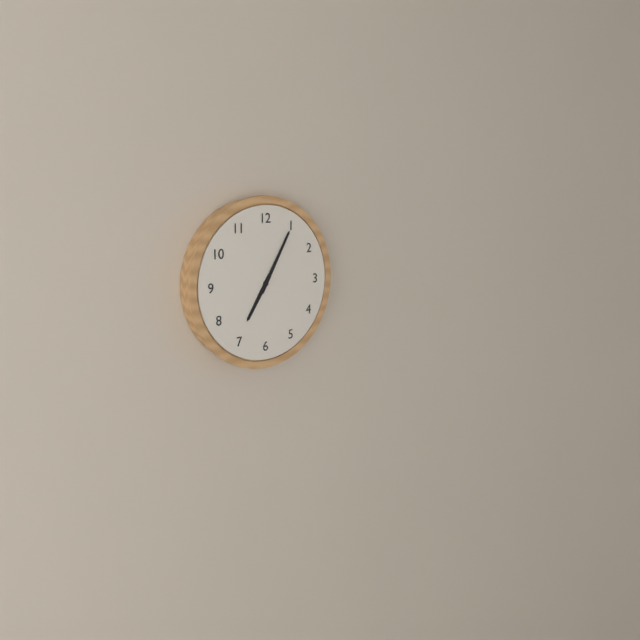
7:05
